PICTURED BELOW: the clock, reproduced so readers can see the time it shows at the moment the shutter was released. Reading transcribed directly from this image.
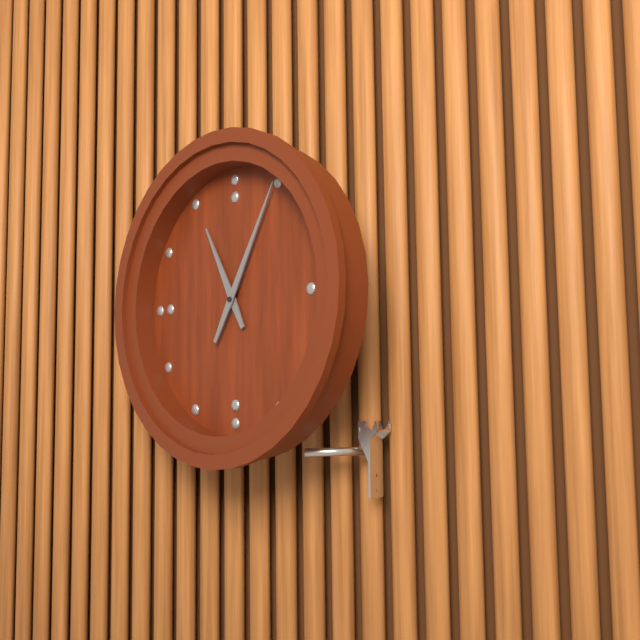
11:05
